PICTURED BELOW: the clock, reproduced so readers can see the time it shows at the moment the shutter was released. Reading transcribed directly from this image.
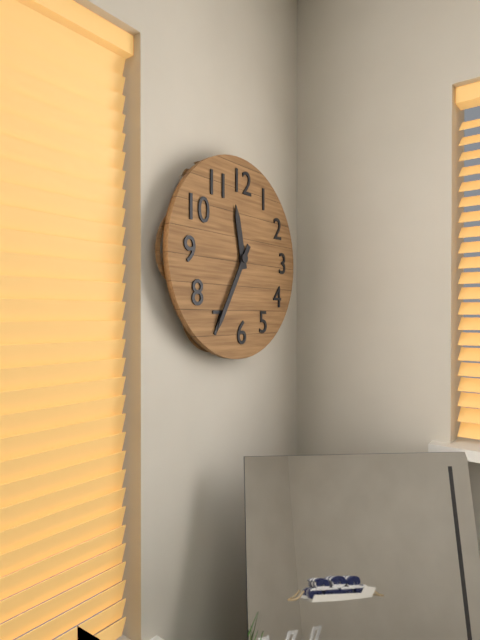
11:35
